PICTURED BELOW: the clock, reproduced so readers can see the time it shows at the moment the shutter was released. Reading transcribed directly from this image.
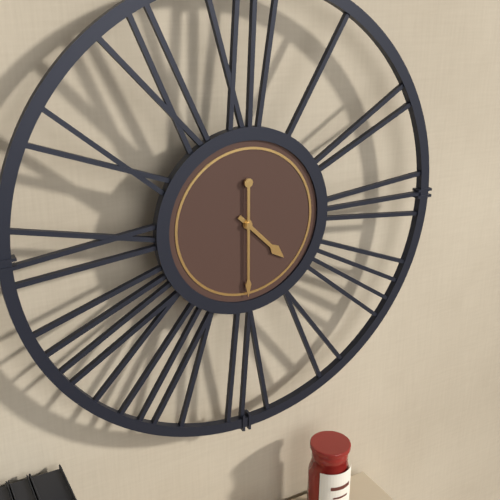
4:30
